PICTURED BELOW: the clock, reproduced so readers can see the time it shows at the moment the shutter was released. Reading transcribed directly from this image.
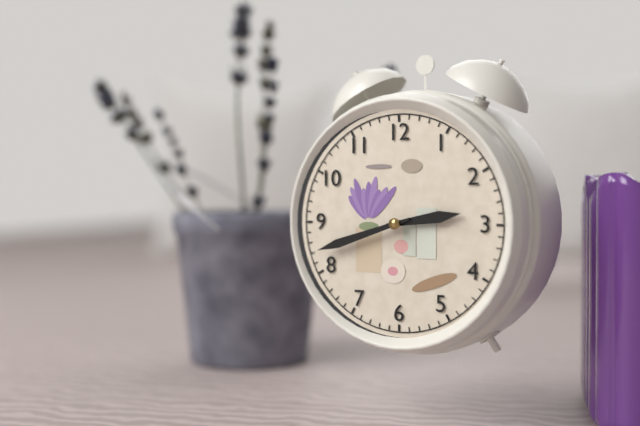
2:42
